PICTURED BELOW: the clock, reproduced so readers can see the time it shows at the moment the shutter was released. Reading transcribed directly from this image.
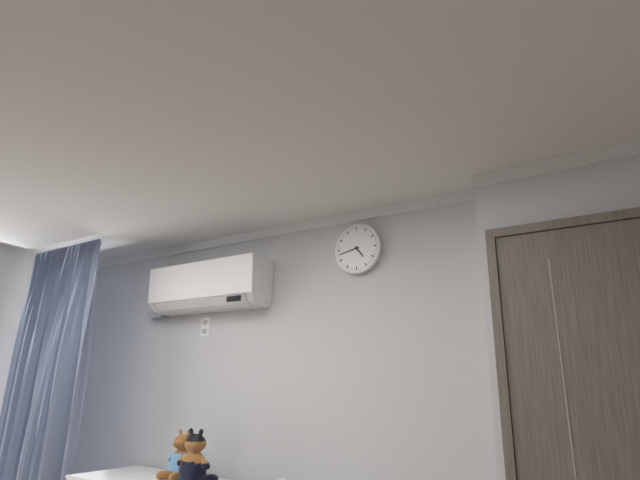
4:43
